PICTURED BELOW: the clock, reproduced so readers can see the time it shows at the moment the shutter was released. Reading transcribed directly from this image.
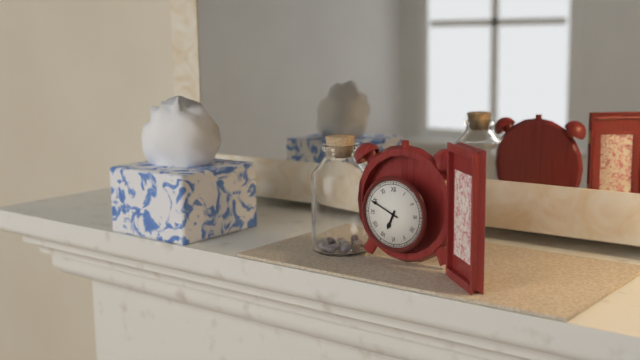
6:49
